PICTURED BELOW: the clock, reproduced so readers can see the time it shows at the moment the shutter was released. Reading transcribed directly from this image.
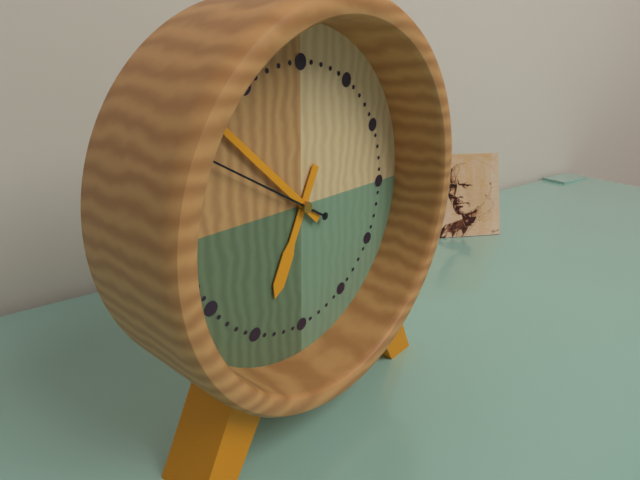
6:52:50
